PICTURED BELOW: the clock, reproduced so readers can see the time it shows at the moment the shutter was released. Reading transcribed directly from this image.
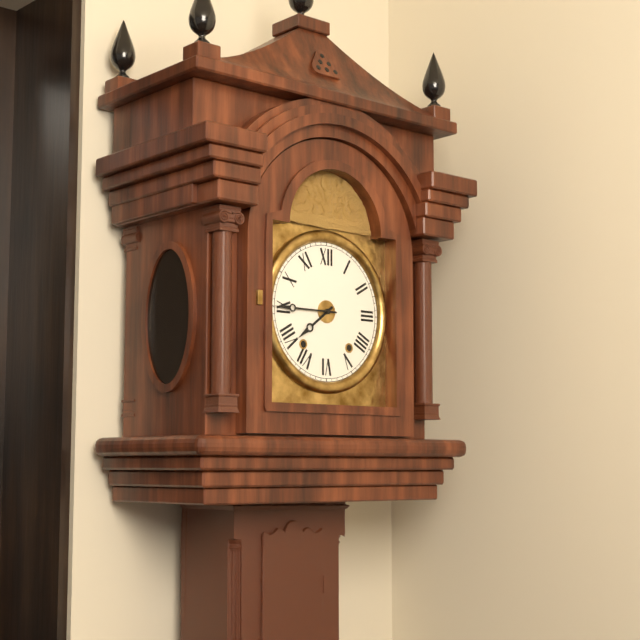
7:45
